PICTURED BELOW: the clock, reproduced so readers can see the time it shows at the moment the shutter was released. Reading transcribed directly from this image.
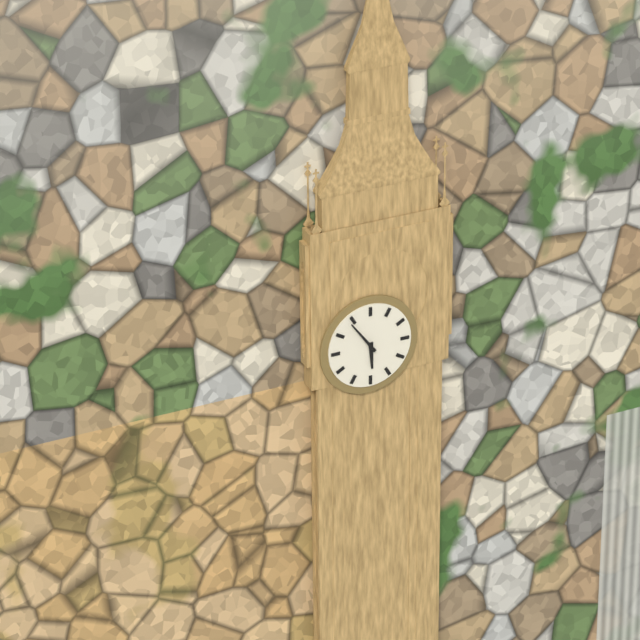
5:54
